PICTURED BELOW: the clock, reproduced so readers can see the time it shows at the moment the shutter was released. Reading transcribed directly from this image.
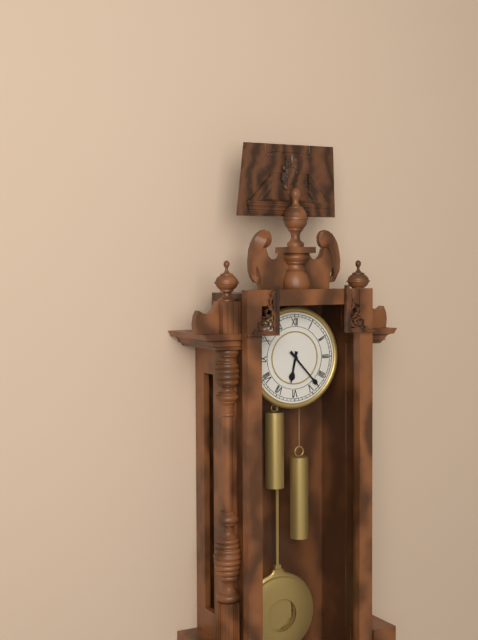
6:23
